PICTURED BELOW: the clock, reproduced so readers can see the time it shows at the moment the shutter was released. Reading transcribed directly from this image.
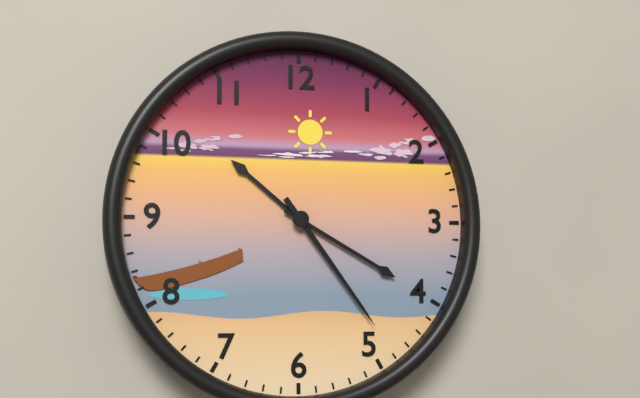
10:20:24
